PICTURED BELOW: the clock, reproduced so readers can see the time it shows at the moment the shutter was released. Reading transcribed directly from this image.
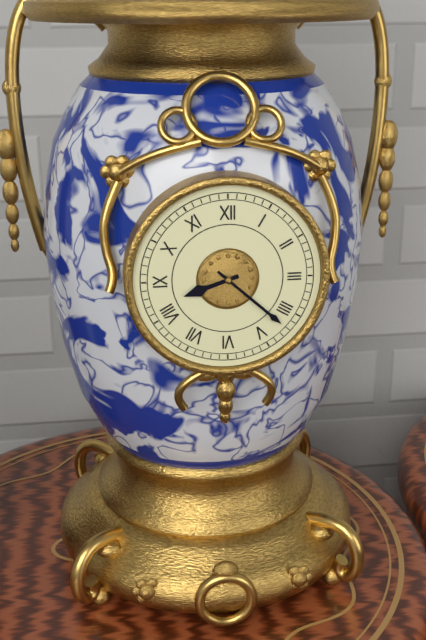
8:22
